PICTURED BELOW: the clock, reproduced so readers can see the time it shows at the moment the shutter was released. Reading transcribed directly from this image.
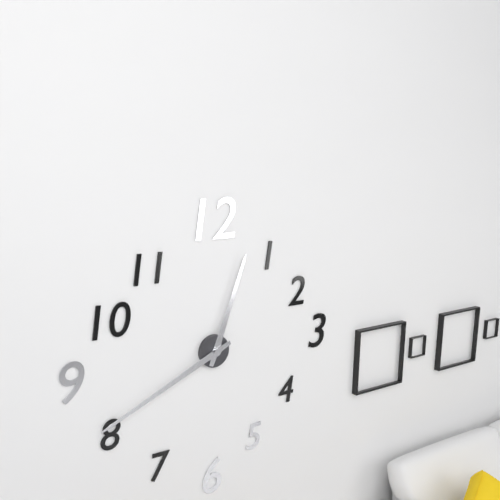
12:41
